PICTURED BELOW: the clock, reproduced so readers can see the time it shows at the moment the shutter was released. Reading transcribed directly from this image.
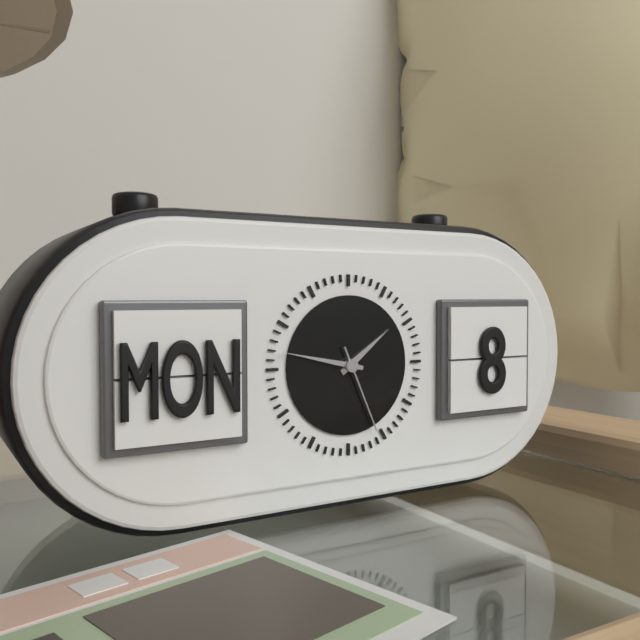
1:47:26
